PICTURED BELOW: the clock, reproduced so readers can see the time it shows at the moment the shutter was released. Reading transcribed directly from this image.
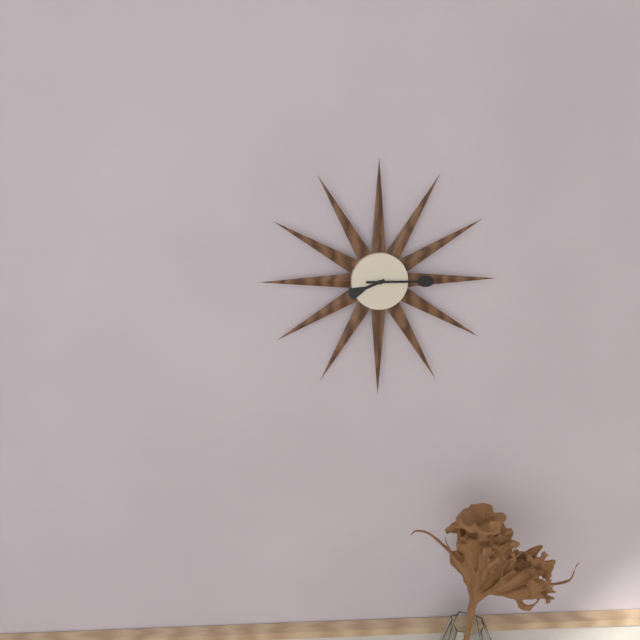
8:15
